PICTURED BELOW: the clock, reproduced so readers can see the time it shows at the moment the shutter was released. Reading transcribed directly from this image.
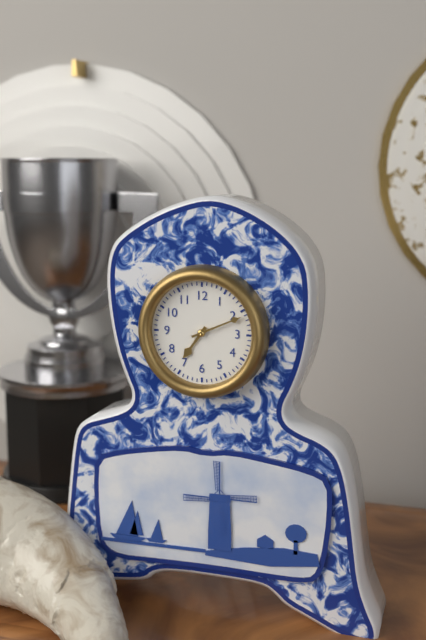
7:11
